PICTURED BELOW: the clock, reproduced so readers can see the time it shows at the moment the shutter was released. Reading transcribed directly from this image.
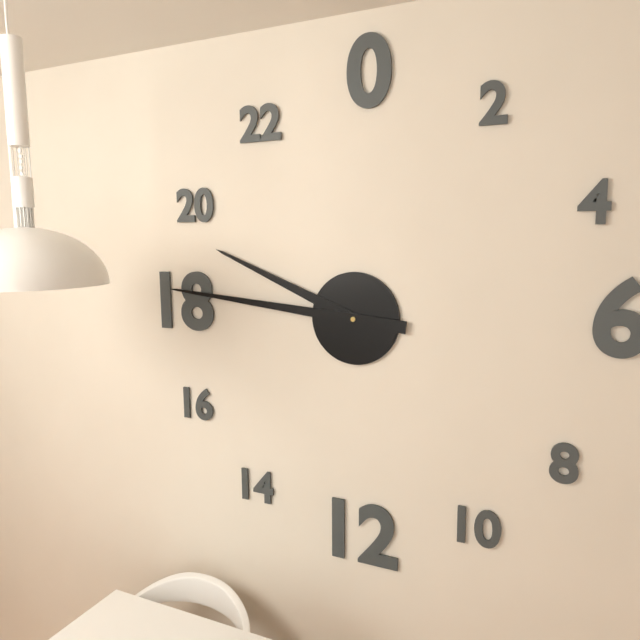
9:46
